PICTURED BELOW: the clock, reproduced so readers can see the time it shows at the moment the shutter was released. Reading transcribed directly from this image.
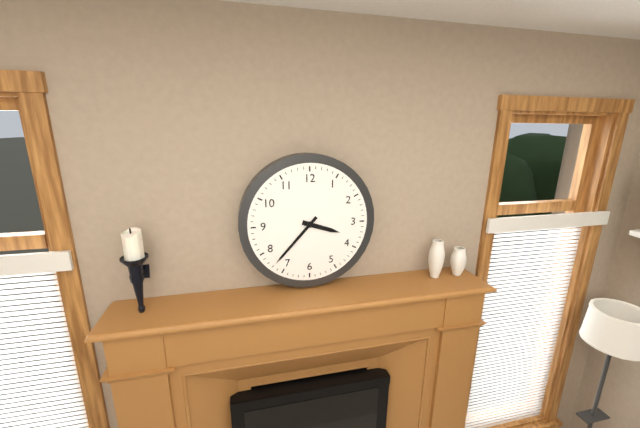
3:37
